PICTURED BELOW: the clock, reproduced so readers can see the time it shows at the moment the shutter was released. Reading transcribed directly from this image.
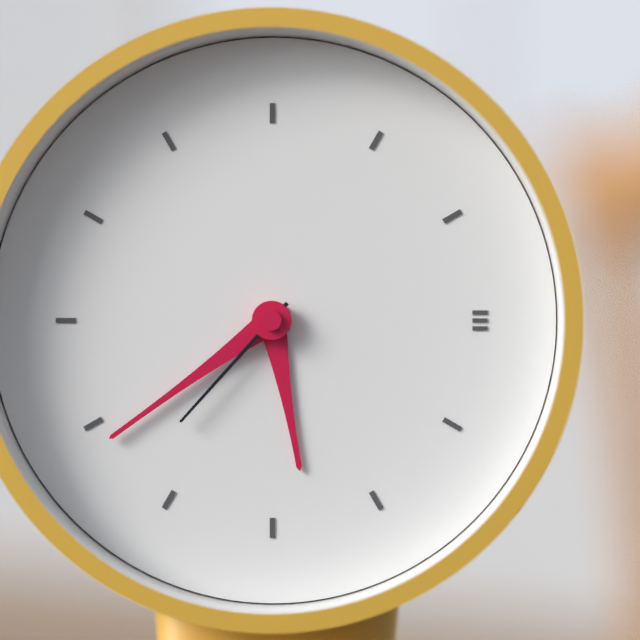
5:39:37
